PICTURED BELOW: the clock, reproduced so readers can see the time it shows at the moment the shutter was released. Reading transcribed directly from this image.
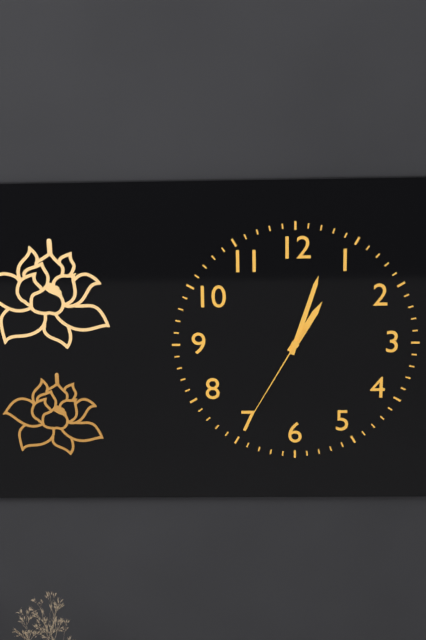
1:03:35
